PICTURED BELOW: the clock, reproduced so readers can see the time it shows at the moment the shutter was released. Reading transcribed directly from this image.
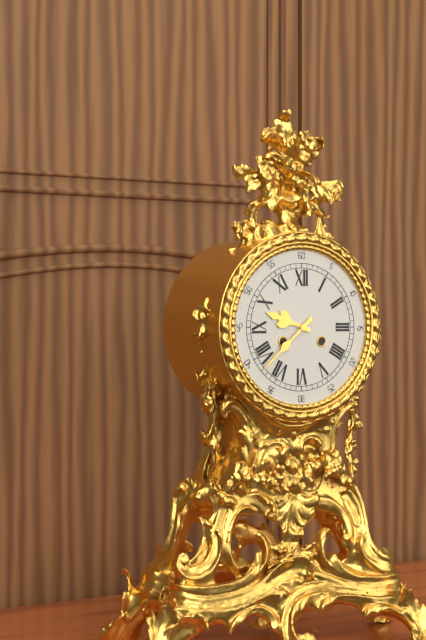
9:38
